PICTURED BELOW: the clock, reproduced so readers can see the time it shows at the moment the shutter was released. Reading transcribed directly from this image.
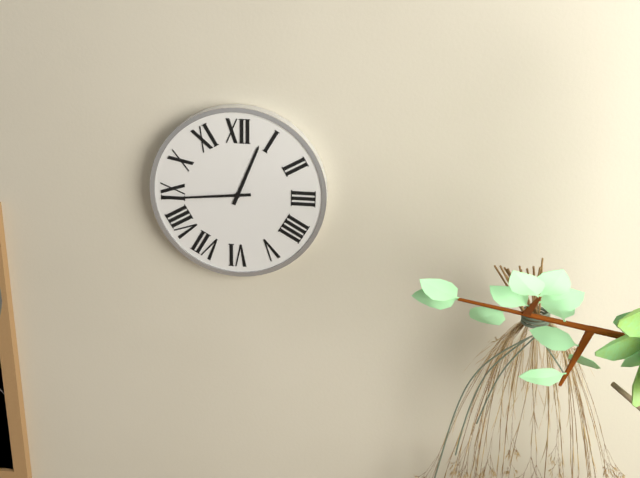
12:44
